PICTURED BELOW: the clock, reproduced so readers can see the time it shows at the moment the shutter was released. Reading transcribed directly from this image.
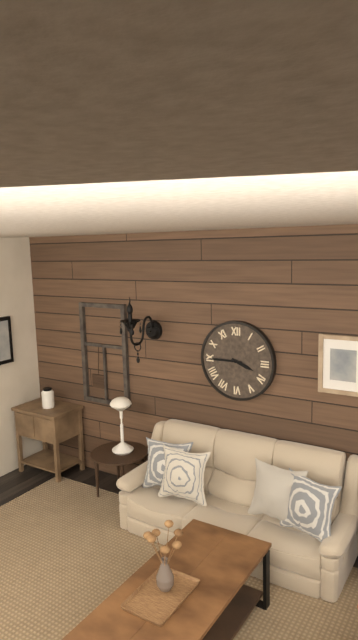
3:45
